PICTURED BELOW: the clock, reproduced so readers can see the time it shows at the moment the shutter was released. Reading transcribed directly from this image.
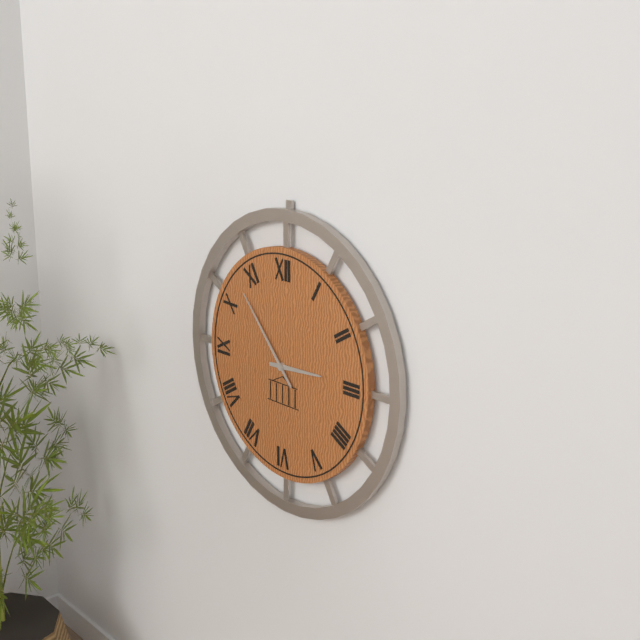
2:53
